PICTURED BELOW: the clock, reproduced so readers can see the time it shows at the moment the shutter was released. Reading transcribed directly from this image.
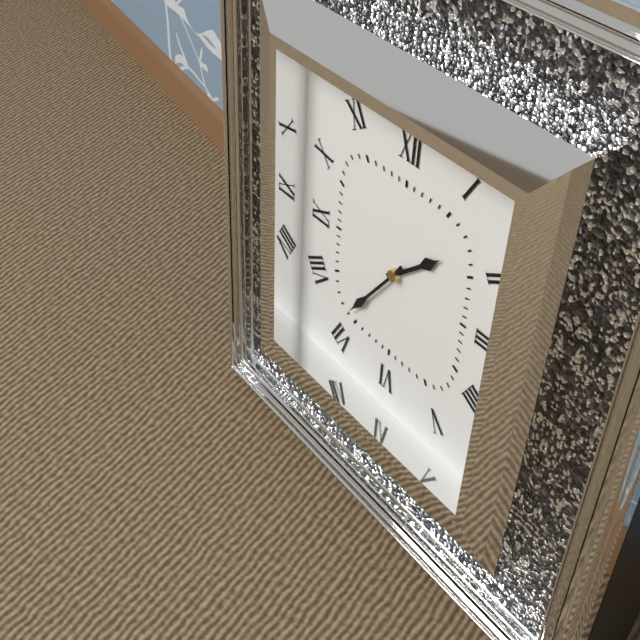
1:36
